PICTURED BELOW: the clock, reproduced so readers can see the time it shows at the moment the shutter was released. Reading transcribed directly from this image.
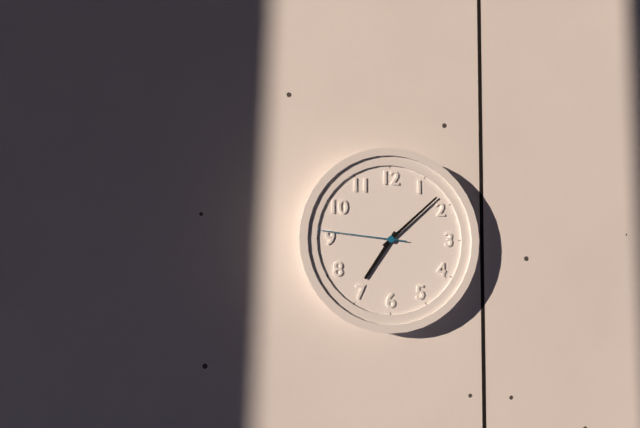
7:08:46
